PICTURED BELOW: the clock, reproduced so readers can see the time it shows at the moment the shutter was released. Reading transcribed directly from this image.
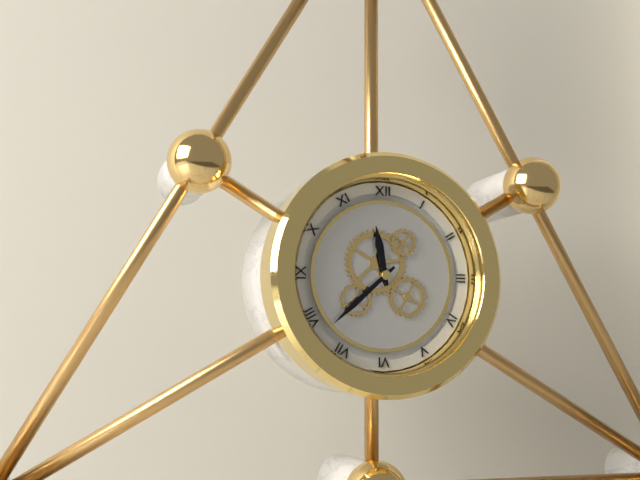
11:38
